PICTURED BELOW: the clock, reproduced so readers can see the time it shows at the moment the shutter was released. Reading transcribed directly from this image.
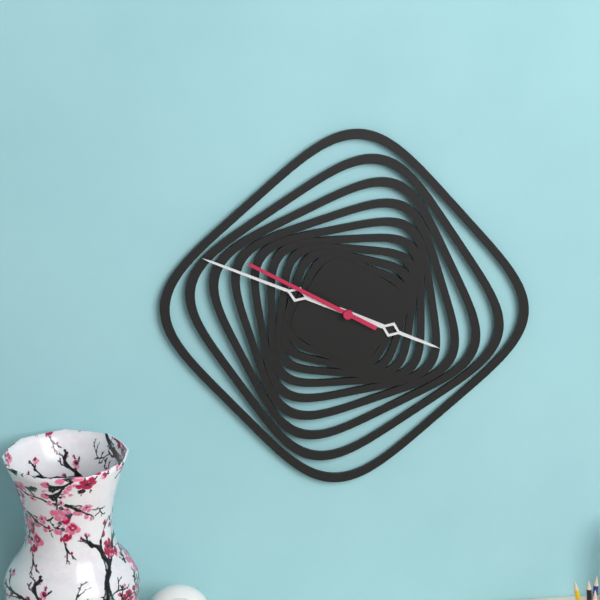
3:49:50
